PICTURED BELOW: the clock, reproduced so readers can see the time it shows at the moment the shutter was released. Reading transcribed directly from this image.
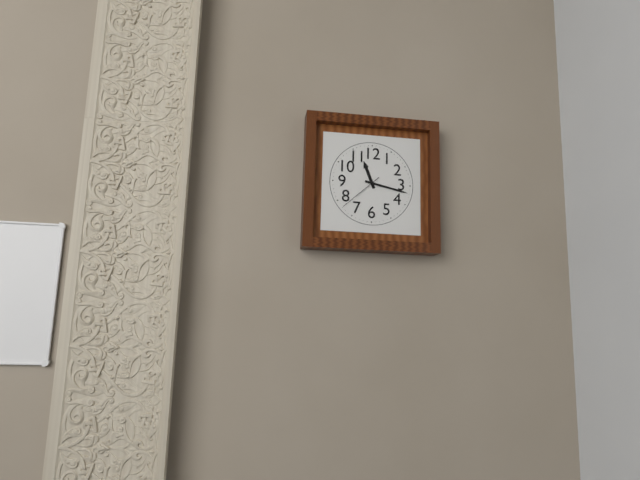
11:17
